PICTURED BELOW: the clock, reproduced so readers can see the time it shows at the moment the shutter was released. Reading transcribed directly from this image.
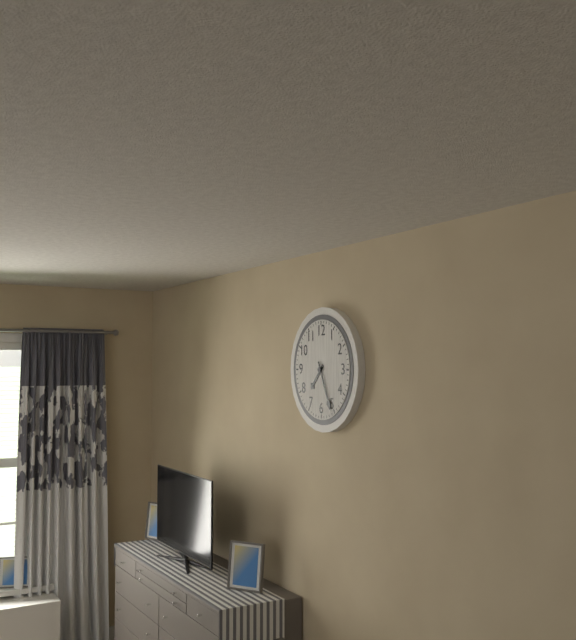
7:26
